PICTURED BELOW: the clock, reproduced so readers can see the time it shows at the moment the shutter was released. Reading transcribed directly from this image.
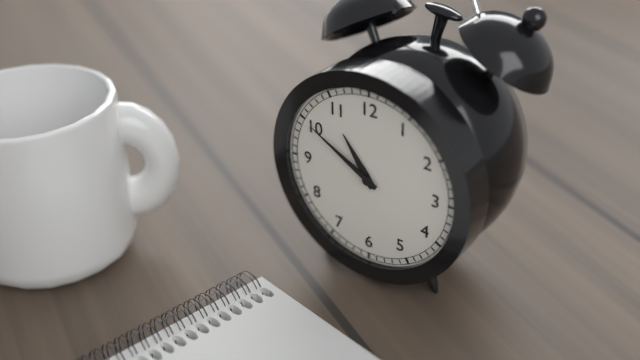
10:50
